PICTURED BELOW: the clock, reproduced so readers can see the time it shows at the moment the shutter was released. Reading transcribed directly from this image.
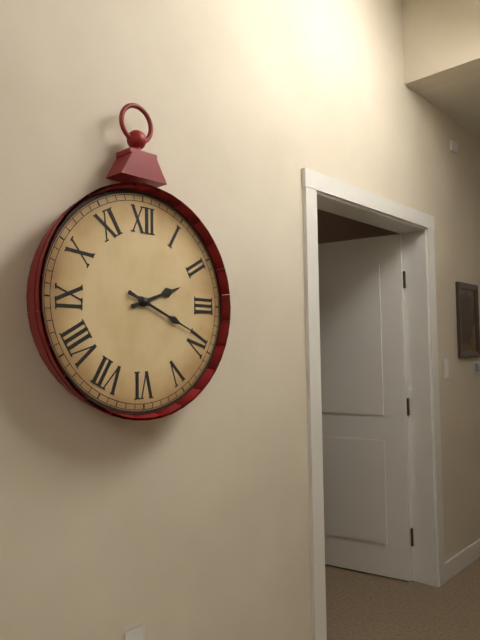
2:19
